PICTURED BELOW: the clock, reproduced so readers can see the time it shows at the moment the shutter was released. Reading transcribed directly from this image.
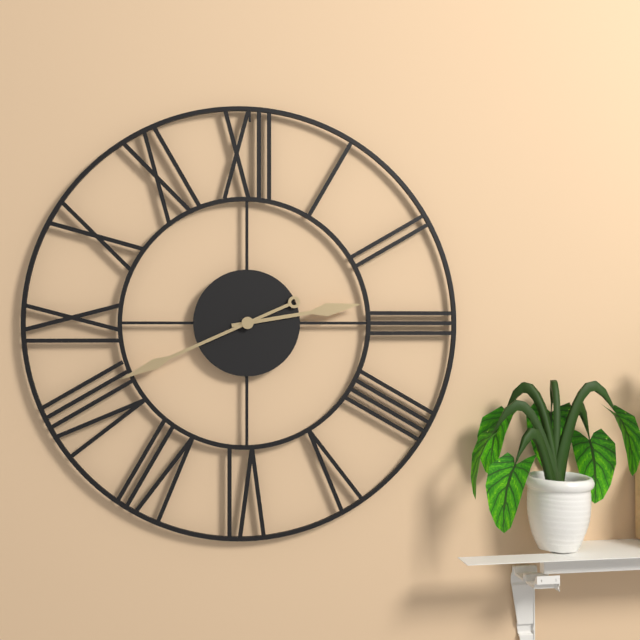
2:41
